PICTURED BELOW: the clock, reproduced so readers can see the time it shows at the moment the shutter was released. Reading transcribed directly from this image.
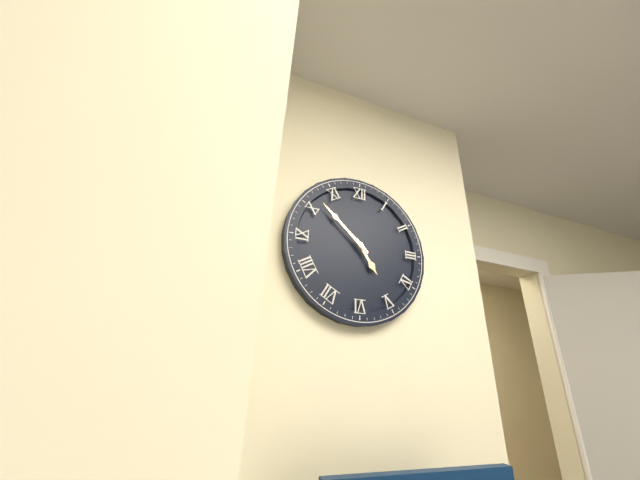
4:52
